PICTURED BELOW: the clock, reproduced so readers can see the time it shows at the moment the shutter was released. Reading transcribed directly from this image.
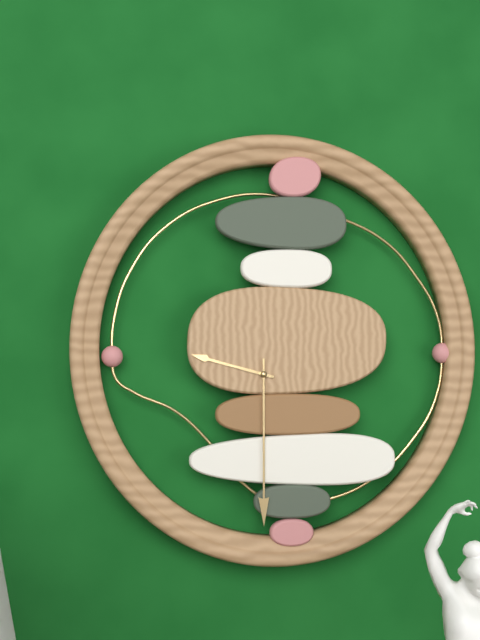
9:30
